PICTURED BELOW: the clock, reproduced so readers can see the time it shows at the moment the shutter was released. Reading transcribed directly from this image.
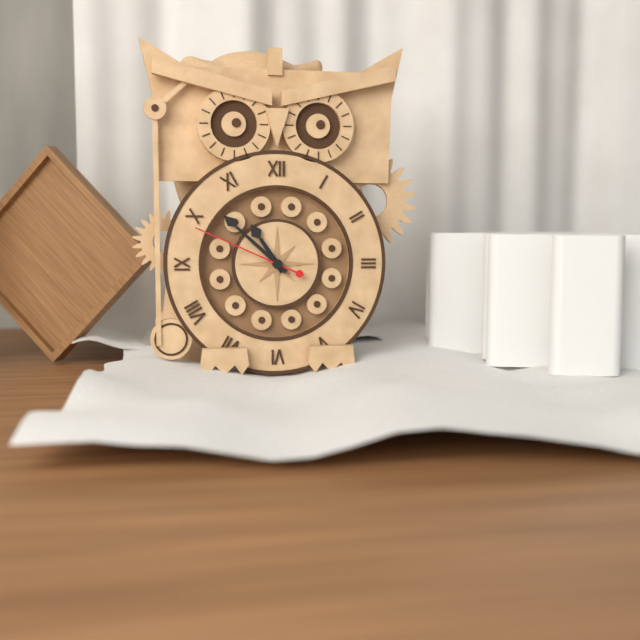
10:52:49
